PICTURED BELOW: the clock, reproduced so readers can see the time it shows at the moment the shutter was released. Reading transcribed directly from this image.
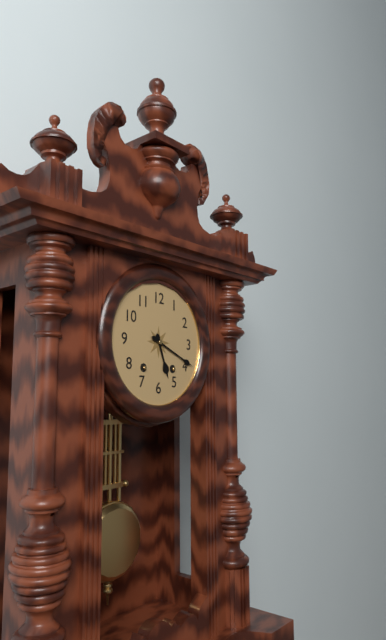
5:19
